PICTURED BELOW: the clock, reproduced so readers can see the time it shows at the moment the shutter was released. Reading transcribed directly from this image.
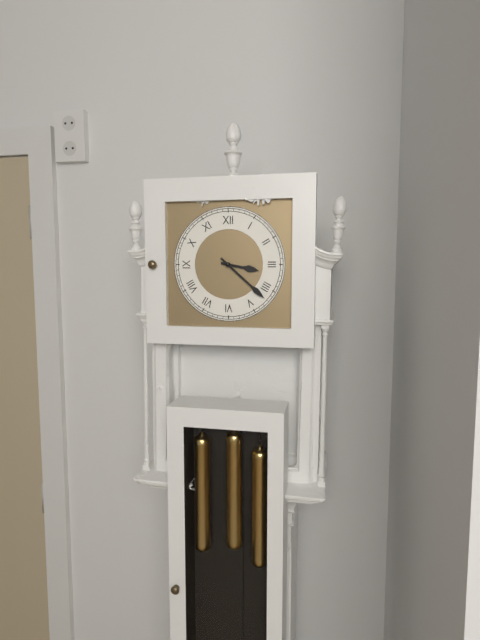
3:22
